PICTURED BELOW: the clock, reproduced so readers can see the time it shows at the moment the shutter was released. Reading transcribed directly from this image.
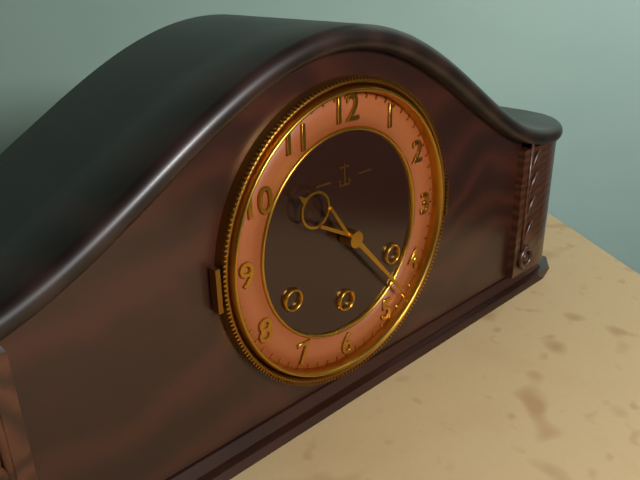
10:23
